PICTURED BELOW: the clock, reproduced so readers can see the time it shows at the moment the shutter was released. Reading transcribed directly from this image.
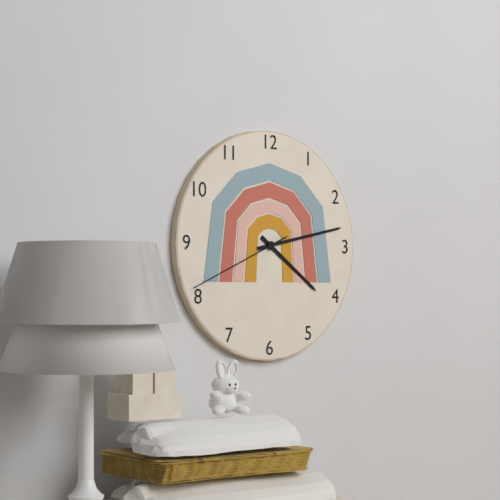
4:13:41
